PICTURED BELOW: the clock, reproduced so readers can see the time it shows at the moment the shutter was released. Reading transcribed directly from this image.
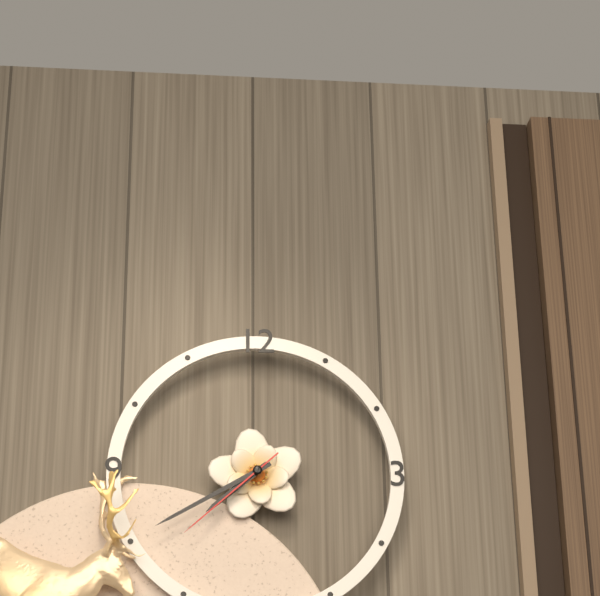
7:40:38
